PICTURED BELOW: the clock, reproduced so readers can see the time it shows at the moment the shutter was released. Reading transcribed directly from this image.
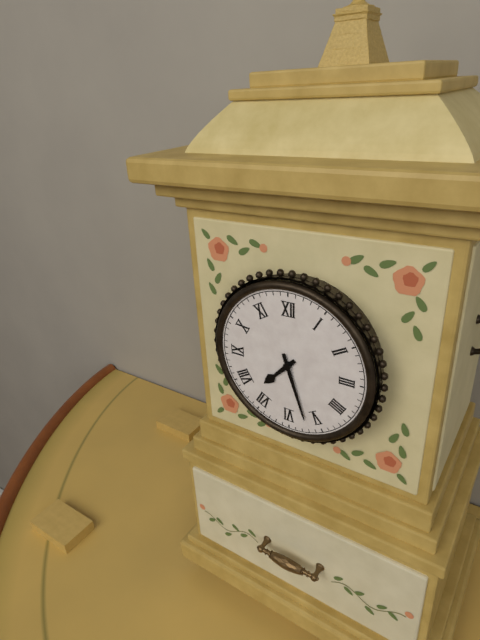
7:27
